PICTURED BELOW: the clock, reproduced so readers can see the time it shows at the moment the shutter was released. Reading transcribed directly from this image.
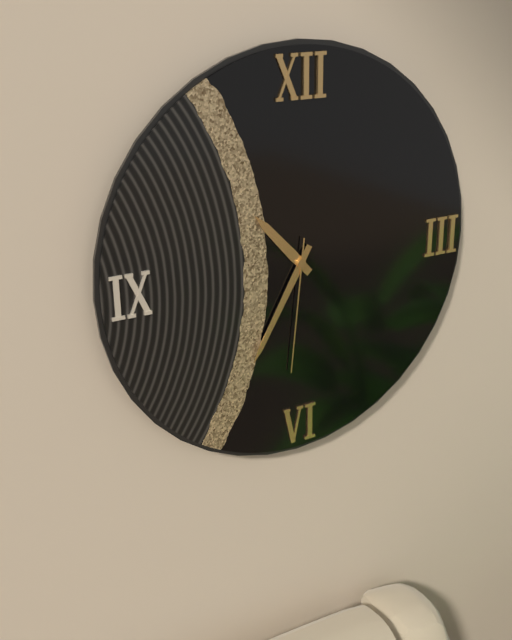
10:35:31
